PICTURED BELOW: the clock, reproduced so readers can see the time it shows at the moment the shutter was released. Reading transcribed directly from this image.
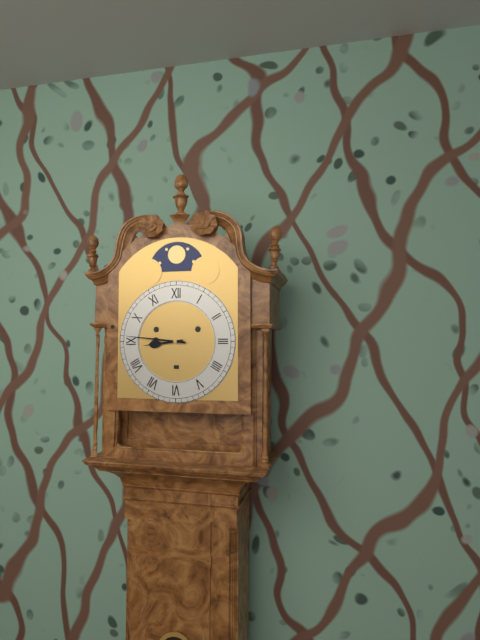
8:46
